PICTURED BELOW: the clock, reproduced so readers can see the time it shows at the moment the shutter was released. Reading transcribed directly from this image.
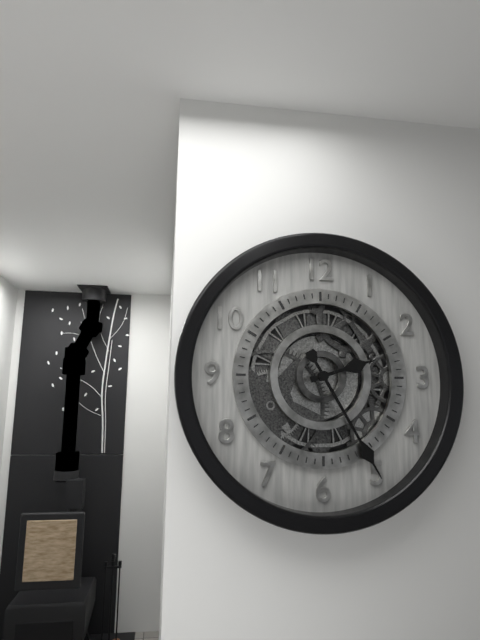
2:25
